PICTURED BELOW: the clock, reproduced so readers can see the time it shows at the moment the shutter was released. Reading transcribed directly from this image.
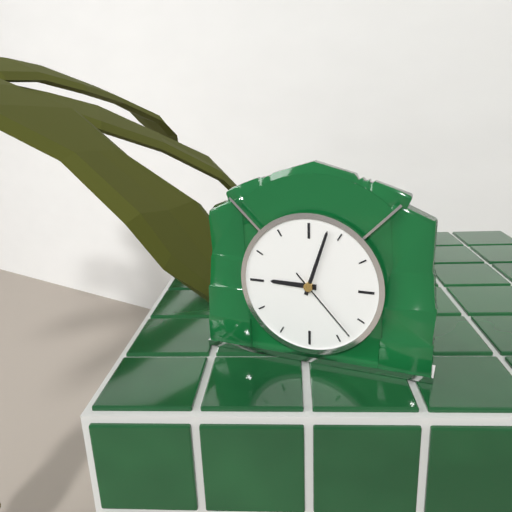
9:03:23
